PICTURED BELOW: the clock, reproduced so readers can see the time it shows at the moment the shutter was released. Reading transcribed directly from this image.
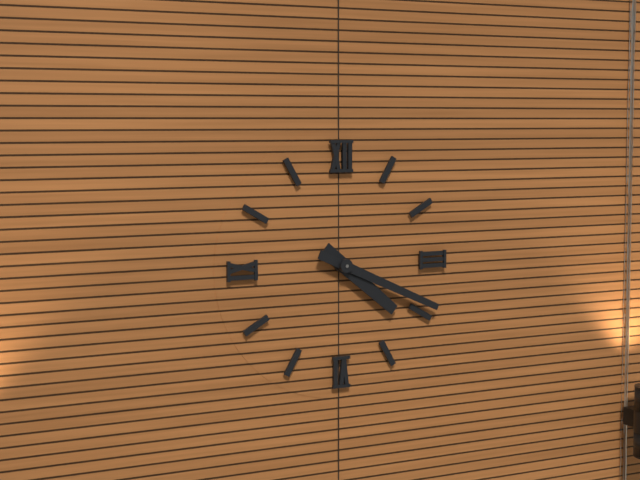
4:19
